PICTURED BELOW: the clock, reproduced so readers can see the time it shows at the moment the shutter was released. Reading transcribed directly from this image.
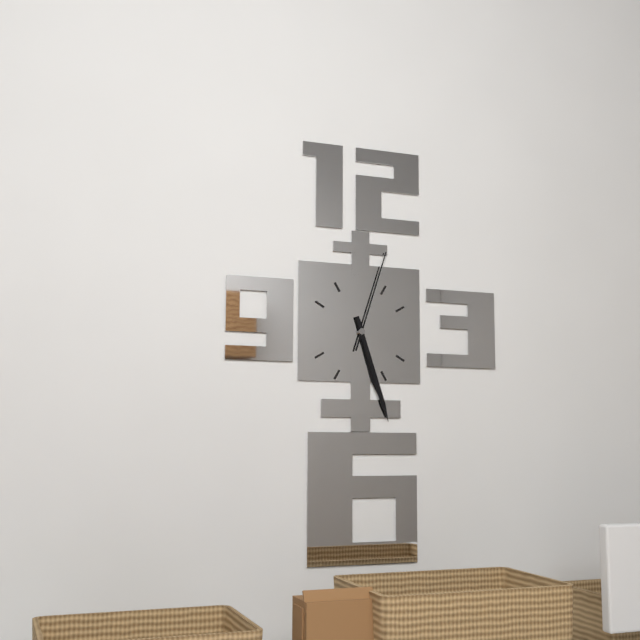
5:27:03
